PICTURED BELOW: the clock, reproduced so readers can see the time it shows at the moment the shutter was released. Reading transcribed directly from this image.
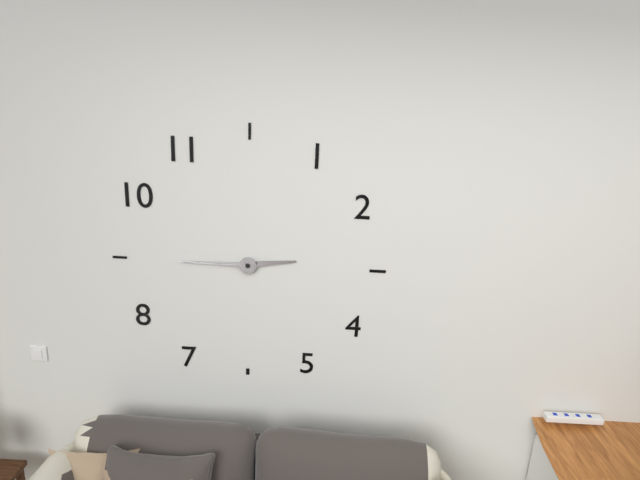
2:45
